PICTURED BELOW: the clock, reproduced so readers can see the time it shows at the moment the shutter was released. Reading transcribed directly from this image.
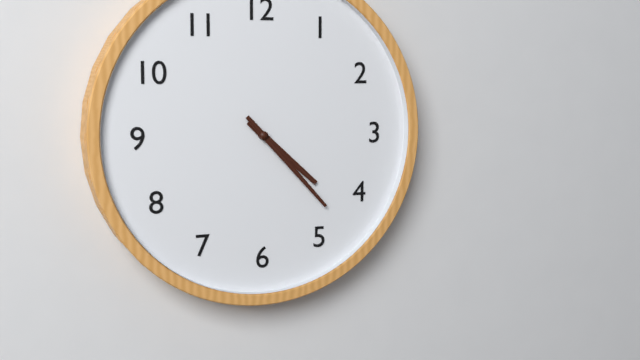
4:23
